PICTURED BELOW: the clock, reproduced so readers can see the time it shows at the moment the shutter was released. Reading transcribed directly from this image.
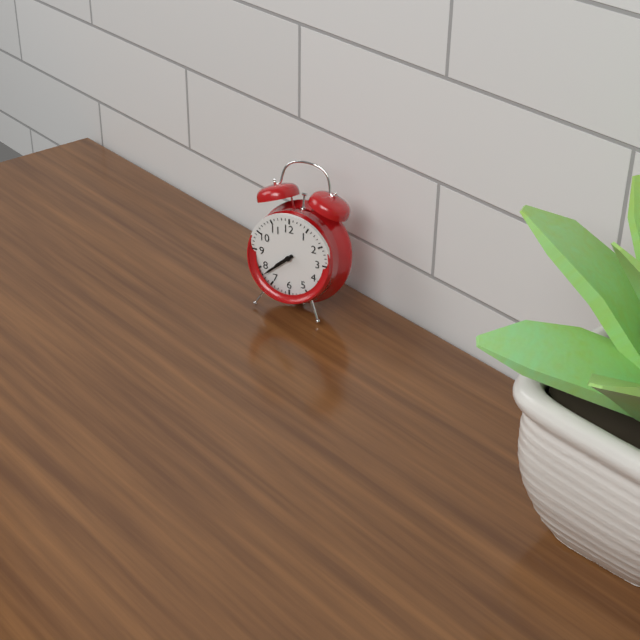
7:38
